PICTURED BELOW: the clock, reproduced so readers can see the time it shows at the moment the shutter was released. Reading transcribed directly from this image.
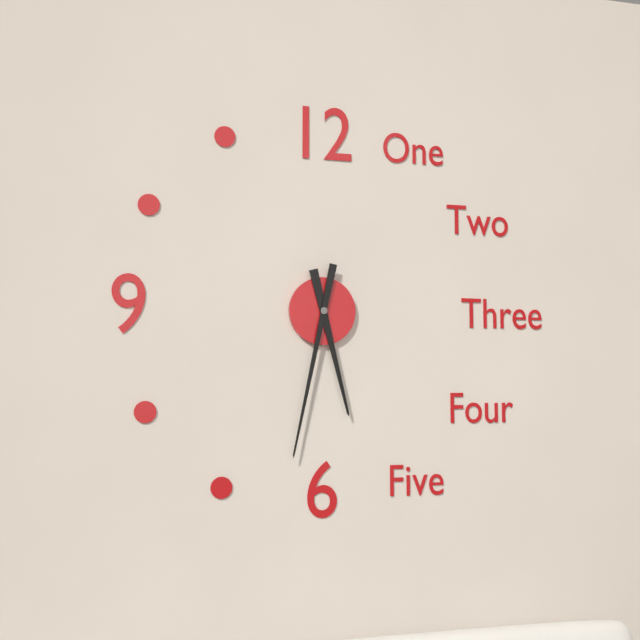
5:32
